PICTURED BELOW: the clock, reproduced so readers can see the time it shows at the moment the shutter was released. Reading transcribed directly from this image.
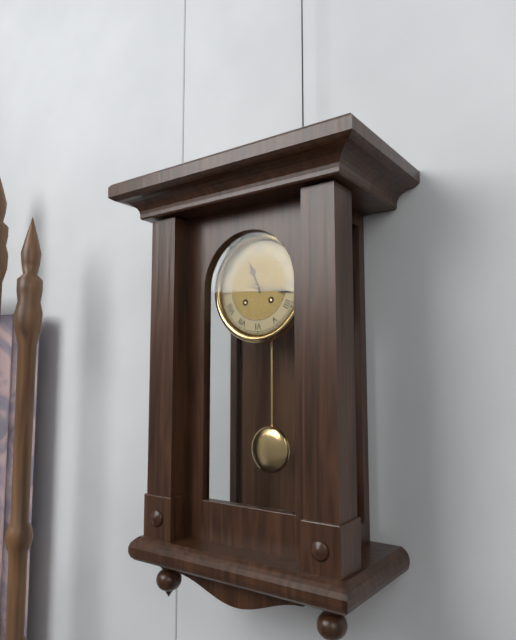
11:17
